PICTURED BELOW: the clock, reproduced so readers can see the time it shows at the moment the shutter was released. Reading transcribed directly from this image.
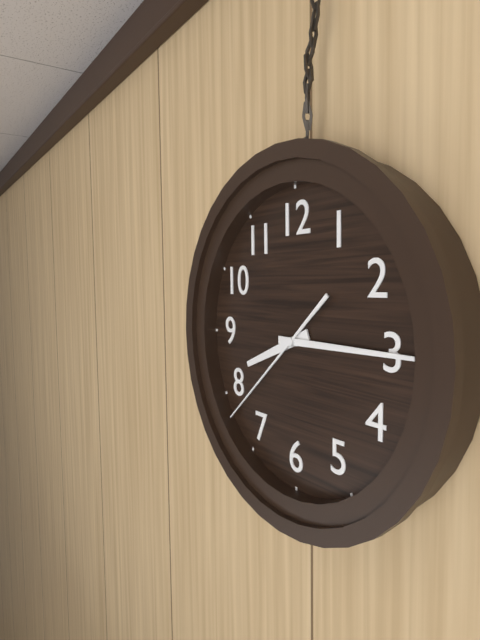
8:15:38
